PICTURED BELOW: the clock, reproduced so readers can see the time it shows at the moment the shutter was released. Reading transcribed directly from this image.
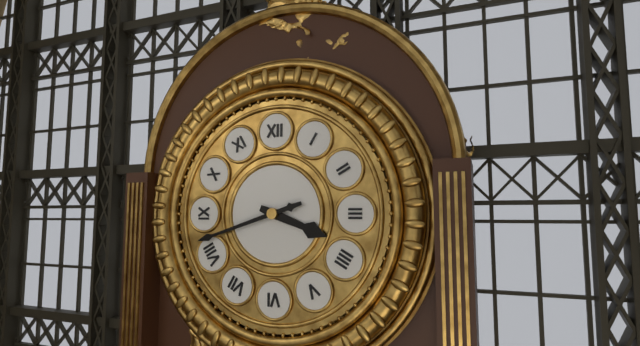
3:42
